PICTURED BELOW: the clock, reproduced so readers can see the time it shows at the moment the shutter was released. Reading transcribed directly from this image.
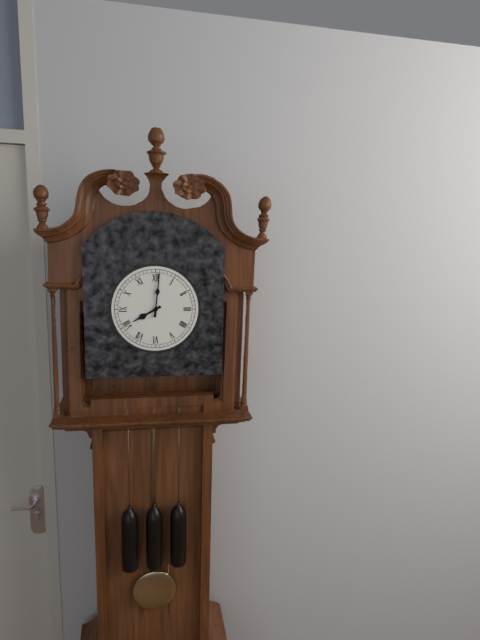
8:01
